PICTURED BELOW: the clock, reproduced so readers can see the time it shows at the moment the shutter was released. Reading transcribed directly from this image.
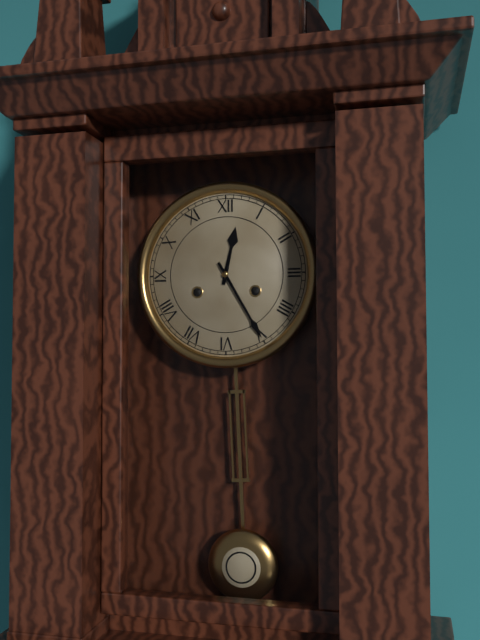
12:25
